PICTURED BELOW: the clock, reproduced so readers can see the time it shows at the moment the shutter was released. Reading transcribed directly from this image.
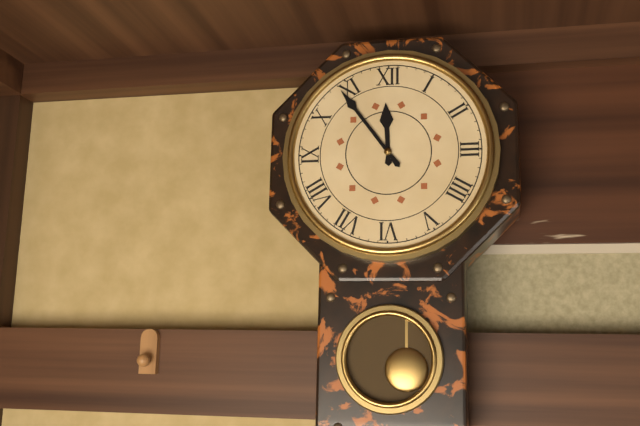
11:54
